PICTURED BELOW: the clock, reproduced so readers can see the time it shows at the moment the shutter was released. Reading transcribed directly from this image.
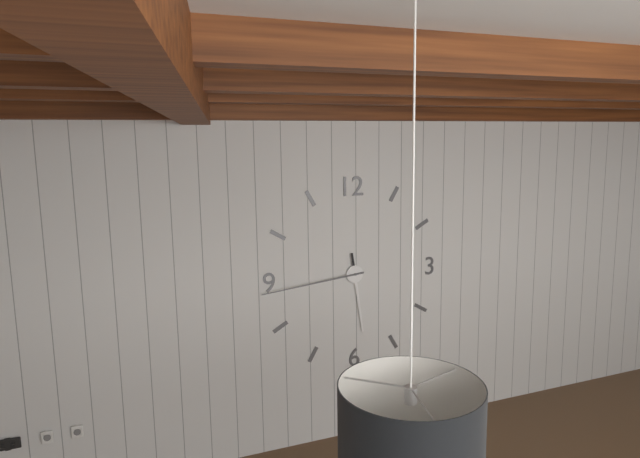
5:44
